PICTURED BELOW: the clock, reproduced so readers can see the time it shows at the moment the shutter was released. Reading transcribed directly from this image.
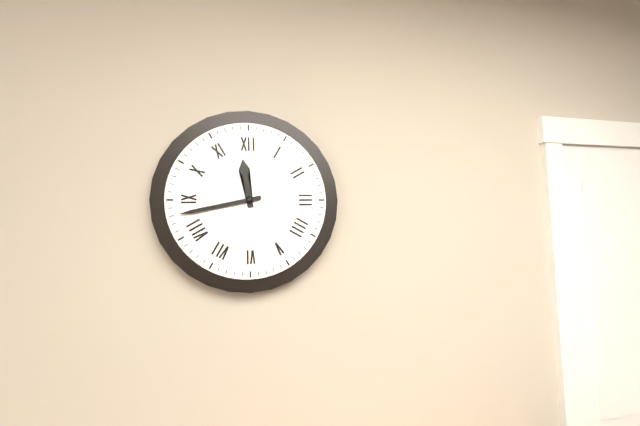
11:43
